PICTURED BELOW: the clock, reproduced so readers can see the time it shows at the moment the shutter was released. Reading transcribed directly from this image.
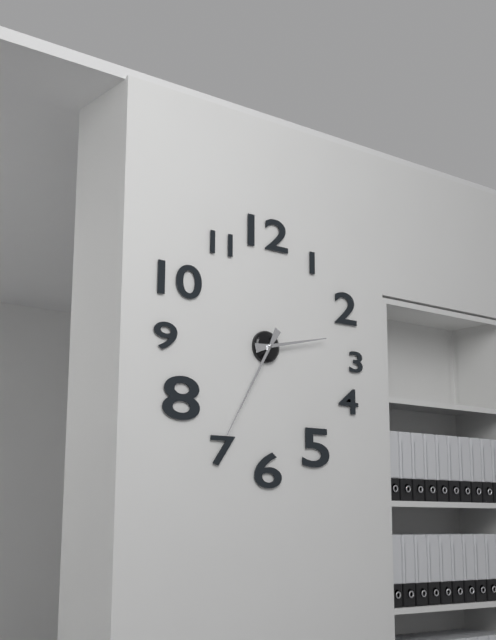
2:35
